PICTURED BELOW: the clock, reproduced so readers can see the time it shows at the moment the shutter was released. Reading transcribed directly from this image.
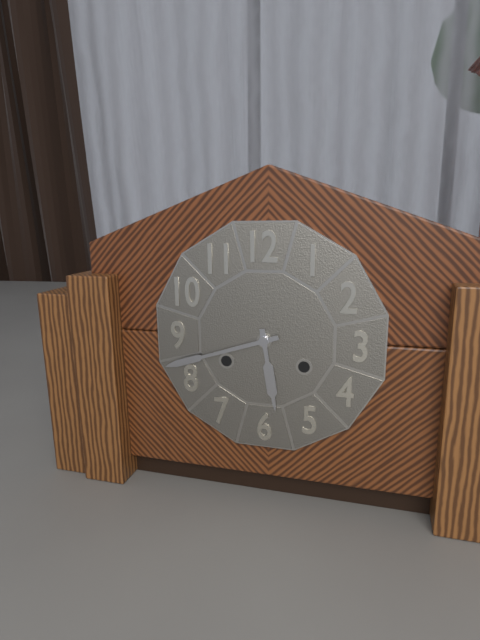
5:42
